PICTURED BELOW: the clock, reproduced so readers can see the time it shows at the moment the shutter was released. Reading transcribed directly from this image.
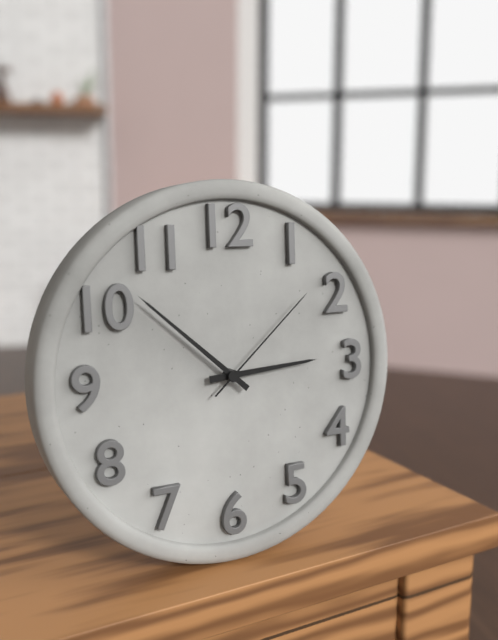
2:52:08
